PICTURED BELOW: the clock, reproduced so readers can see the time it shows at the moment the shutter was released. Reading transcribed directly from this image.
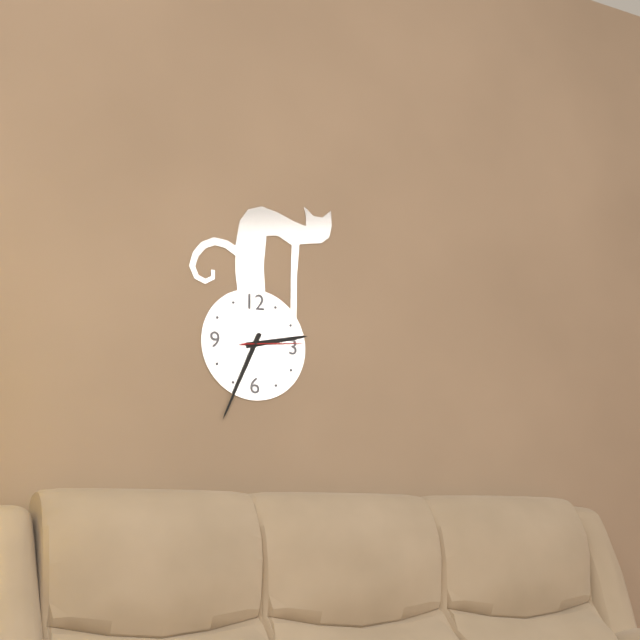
2:34:14
